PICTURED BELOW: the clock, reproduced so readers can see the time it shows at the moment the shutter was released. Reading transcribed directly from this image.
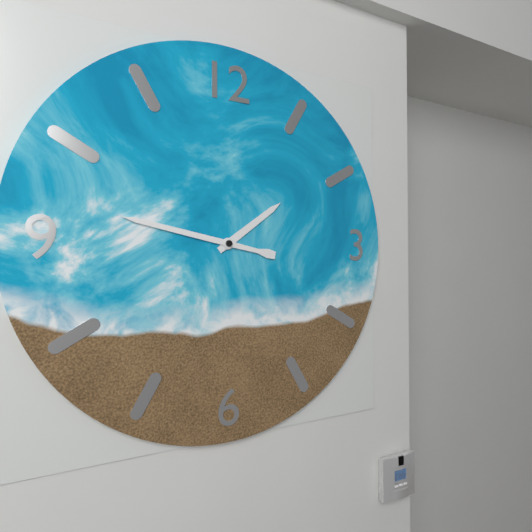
1:47
